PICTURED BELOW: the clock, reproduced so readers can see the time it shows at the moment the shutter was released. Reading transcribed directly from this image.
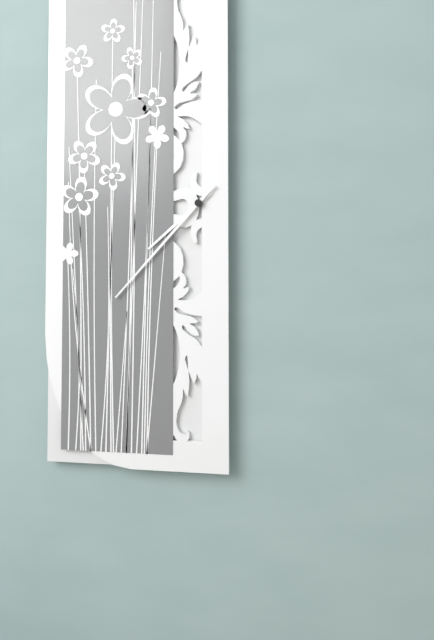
7:37
